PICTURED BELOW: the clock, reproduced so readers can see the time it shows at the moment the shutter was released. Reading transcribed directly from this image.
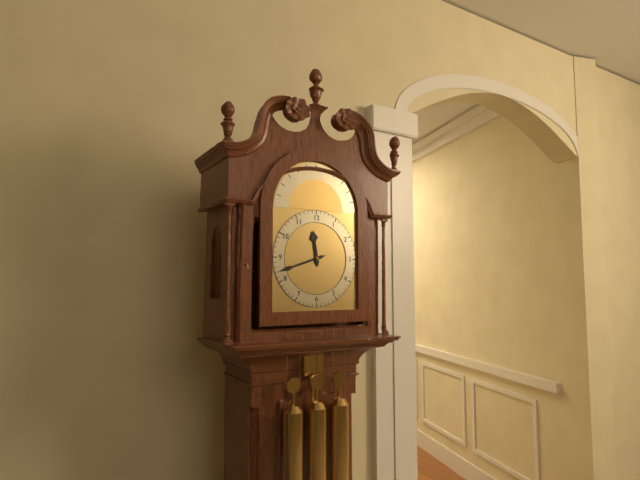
11:42
